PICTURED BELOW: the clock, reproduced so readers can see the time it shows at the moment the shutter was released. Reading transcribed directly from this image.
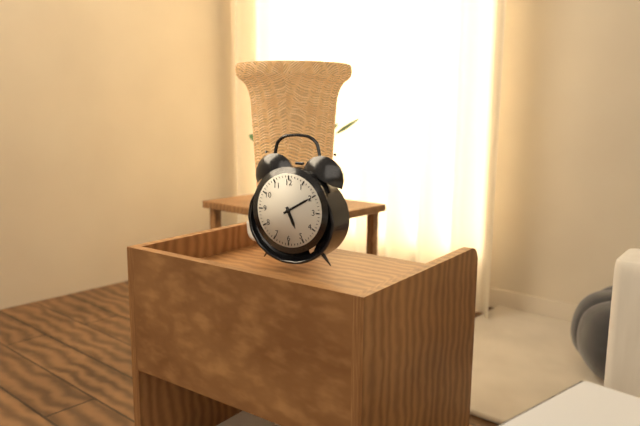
5:10
